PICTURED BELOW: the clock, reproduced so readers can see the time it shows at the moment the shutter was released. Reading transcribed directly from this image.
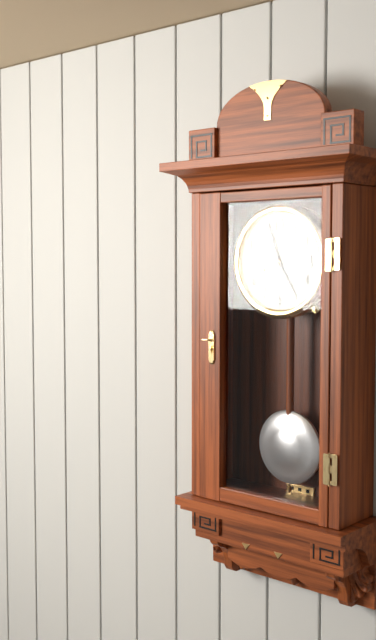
4:57
